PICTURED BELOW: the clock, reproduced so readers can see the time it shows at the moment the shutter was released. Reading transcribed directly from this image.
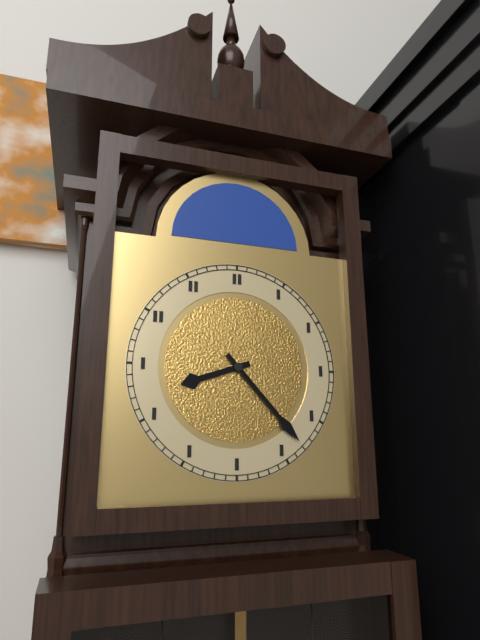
8:23
